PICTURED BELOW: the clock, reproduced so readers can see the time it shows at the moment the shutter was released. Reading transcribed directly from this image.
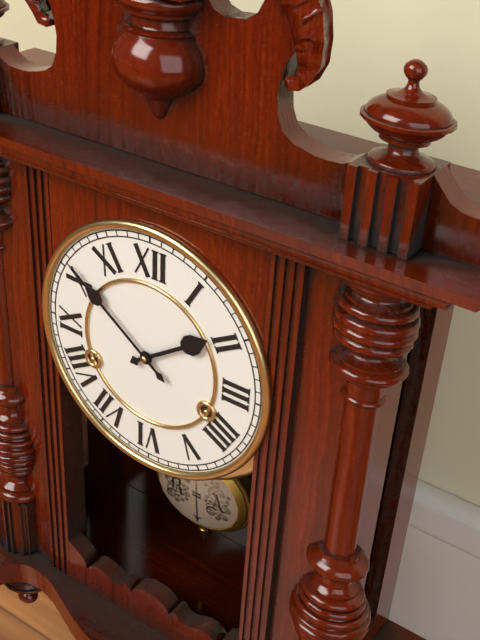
1:51
